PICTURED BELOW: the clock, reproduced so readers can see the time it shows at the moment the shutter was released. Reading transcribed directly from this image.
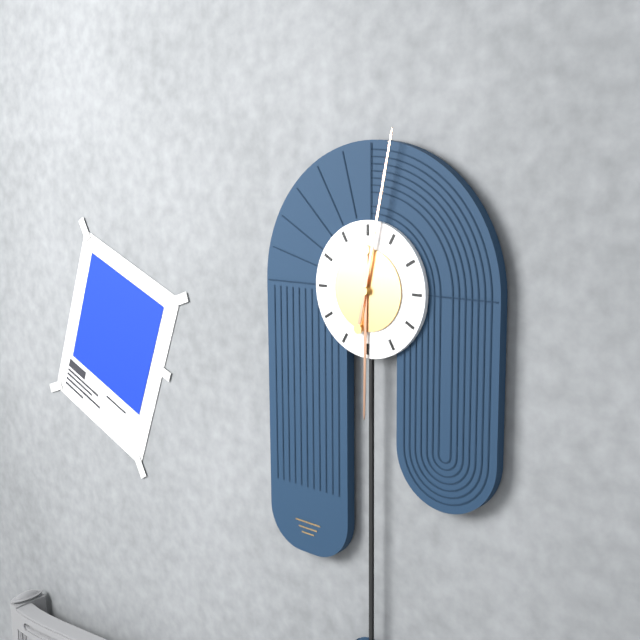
6:02
